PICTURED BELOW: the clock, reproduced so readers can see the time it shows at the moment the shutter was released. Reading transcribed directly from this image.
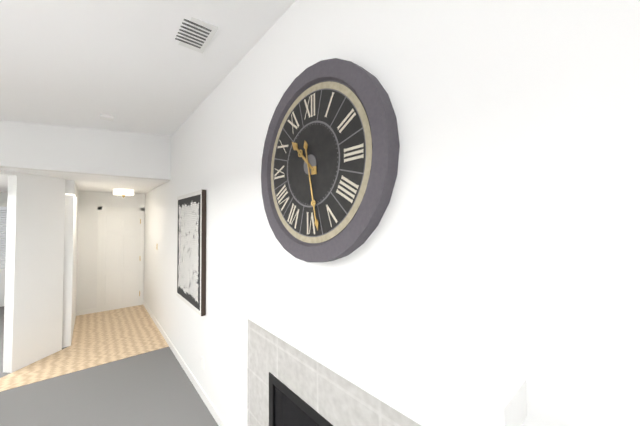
10:28
